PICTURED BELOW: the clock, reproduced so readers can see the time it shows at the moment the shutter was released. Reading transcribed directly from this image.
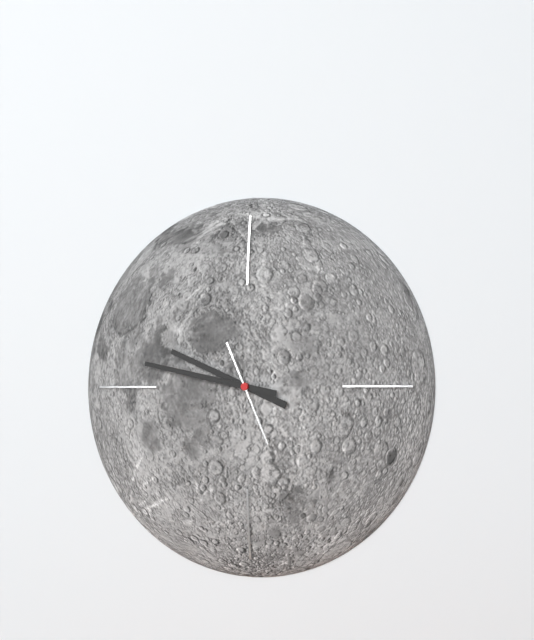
9:47:26
